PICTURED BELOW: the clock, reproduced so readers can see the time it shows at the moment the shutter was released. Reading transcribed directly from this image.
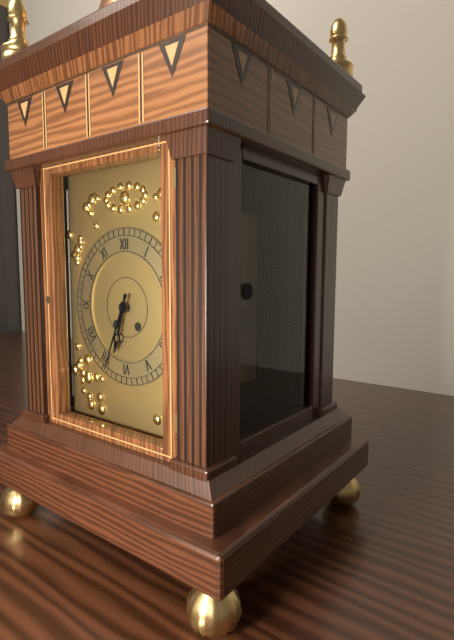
6:34
